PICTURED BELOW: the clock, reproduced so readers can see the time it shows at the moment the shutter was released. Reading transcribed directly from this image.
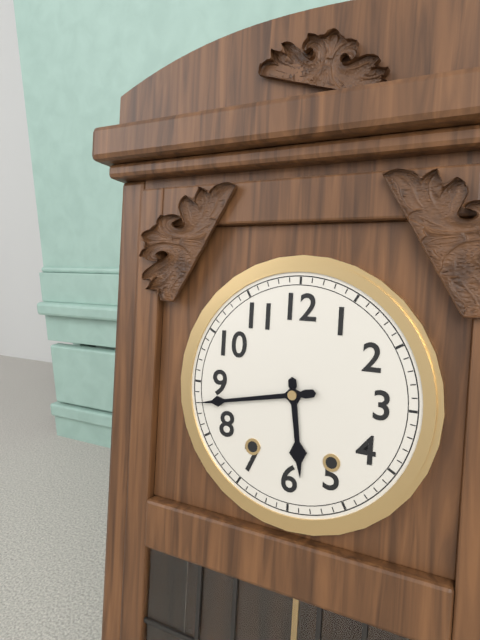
5:43
